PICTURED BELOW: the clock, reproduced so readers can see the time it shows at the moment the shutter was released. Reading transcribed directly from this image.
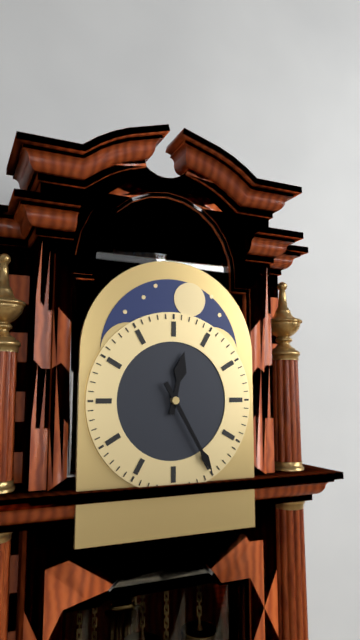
12:25
